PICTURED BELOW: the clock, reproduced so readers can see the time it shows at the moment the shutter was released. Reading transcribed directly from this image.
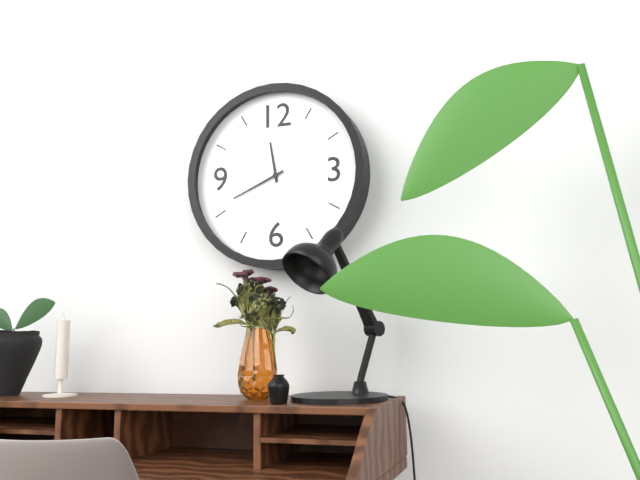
11:41
